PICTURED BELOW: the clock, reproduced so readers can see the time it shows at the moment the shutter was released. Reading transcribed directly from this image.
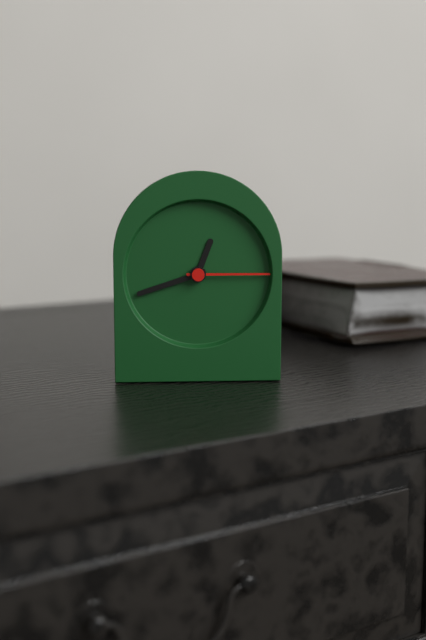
12:42:15
